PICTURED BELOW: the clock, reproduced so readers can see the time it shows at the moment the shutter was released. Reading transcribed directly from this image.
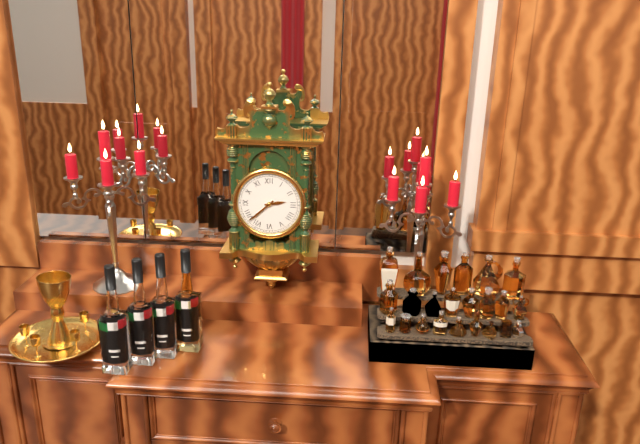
2:38
